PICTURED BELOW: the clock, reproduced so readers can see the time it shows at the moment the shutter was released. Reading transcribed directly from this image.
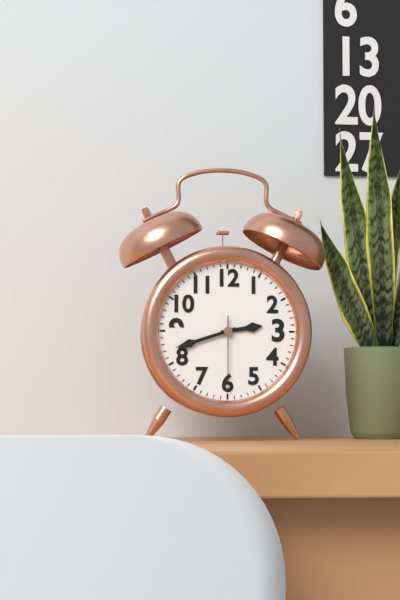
2:42:30
